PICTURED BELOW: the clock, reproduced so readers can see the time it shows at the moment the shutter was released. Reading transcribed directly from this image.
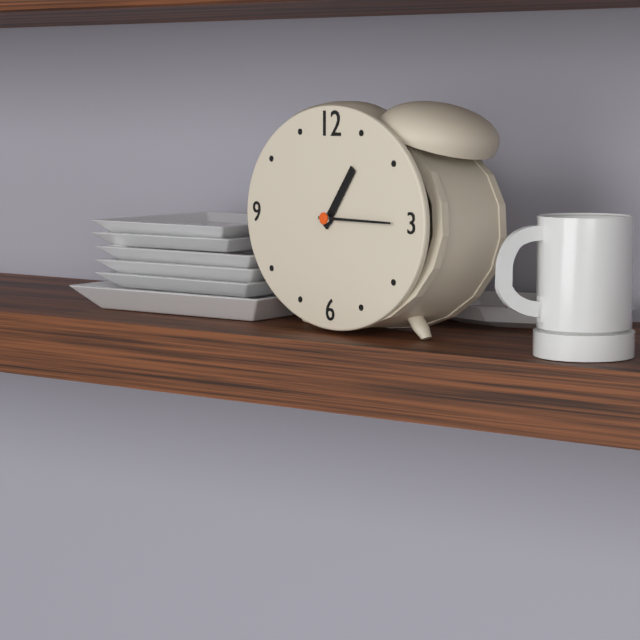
1:15
